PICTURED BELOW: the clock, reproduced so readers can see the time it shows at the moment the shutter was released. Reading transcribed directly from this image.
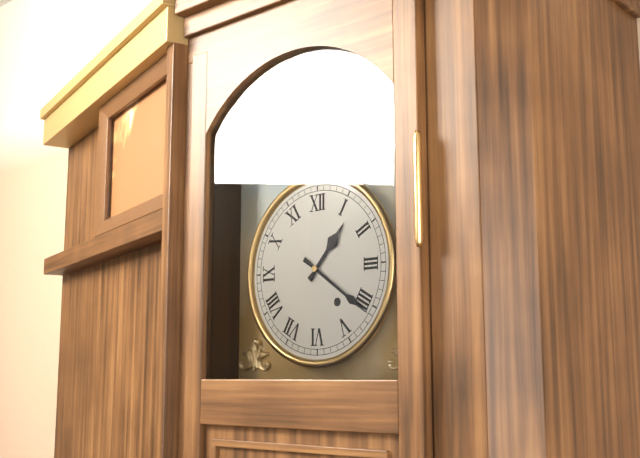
1:21
